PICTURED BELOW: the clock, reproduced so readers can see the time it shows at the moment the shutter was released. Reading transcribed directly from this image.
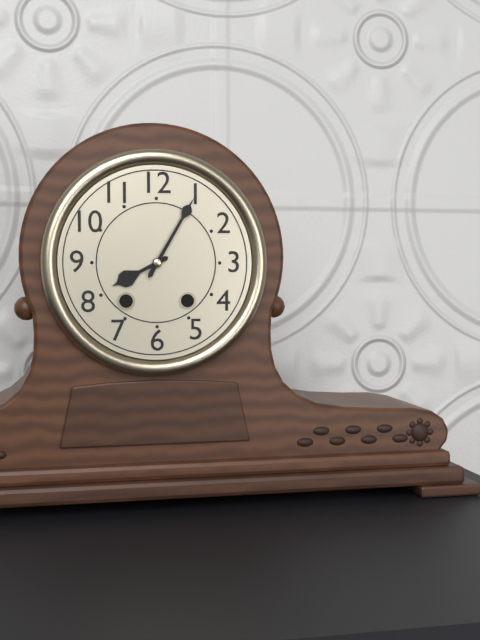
8:05
